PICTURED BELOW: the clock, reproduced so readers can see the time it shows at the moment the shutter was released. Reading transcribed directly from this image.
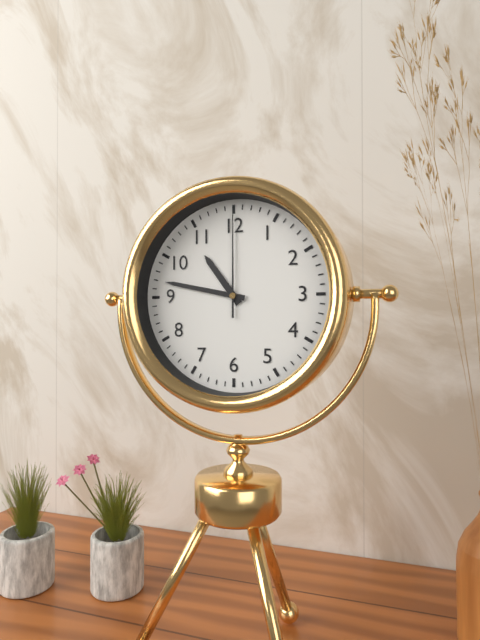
10:47:00
